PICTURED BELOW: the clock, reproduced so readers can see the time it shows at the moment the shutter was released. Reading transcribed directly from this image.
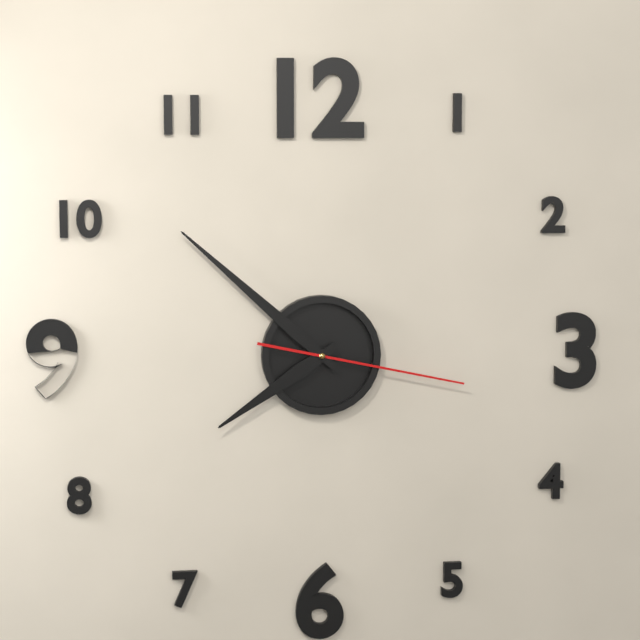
7:52:17
